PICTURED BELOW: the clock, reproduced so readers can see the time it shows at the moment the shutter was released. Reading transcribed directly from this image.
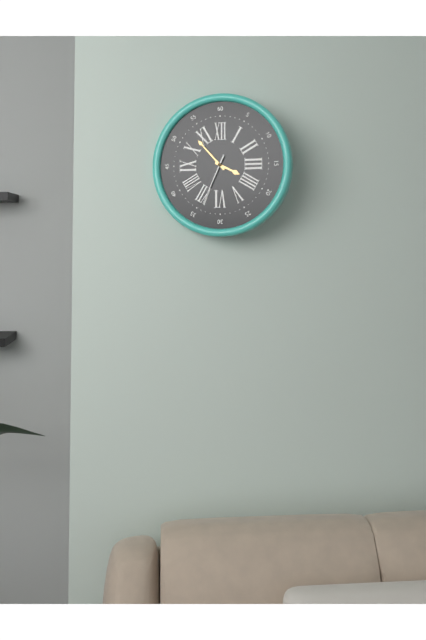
3:53:34
